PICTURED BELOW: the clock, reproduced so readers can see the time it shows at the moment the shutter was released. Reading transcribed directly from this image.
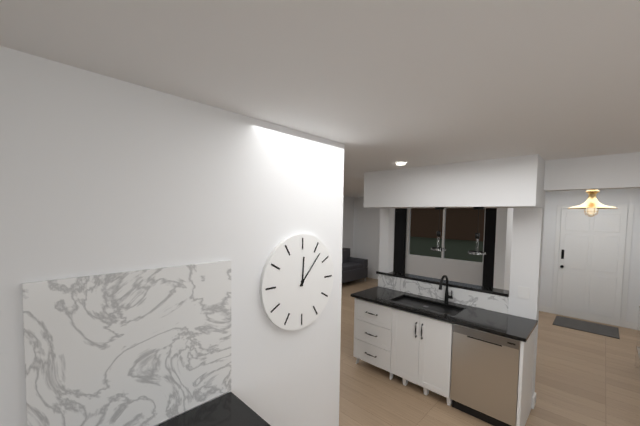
12:07
